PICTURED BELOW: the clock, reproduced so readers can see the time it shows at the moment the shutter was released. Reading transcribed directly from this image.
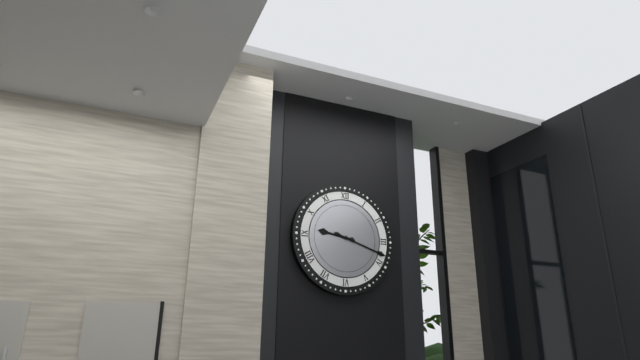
9:18
